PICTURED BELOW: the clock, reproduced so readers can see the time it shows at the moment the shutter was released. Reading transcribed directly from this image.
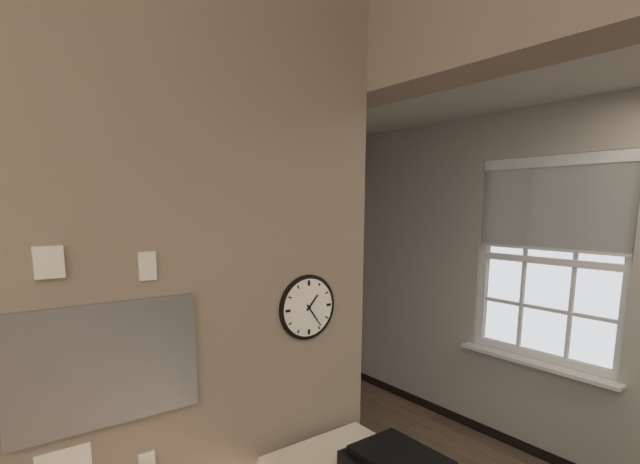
1:24
